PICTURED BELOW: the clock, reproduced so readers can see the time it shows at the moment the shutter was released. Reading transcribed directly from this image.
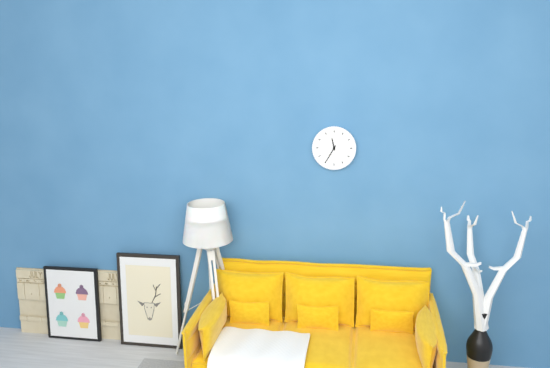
11:35
